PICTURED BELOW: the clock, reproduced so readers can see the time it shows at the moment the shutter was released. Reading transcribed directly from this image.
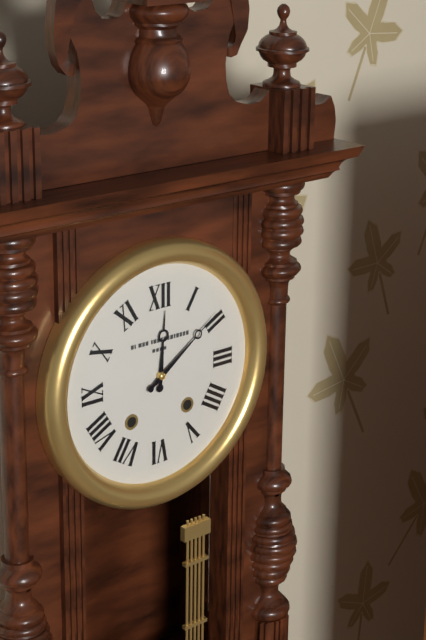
12:09
